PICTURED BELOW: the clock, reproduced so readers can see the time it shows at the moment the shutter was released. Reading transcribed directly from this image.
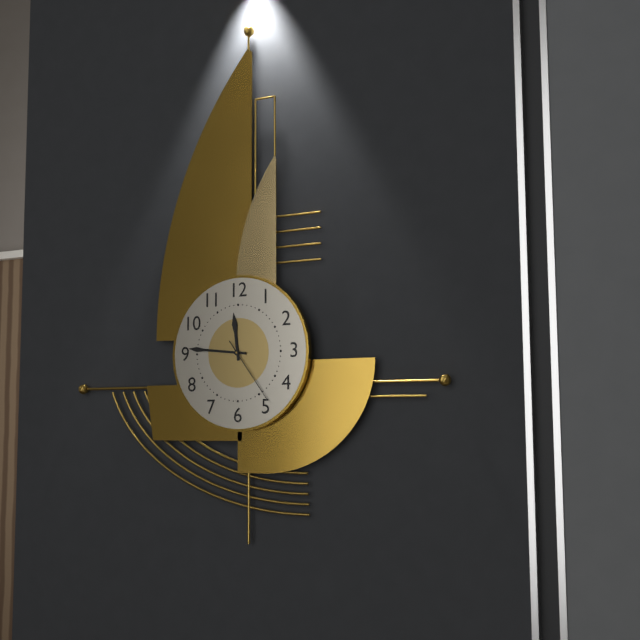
11:46:24
